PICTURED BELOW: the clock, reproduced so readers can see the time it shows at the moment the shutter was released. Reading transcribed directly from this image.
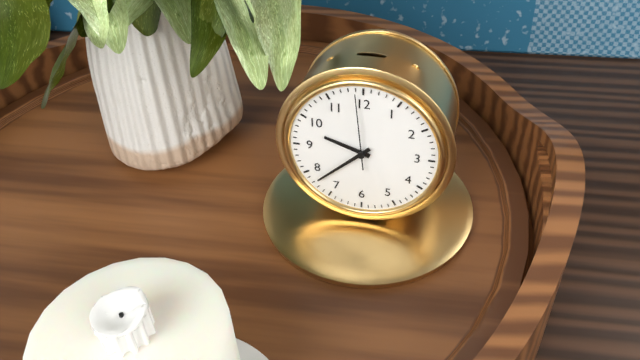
9:38:59
